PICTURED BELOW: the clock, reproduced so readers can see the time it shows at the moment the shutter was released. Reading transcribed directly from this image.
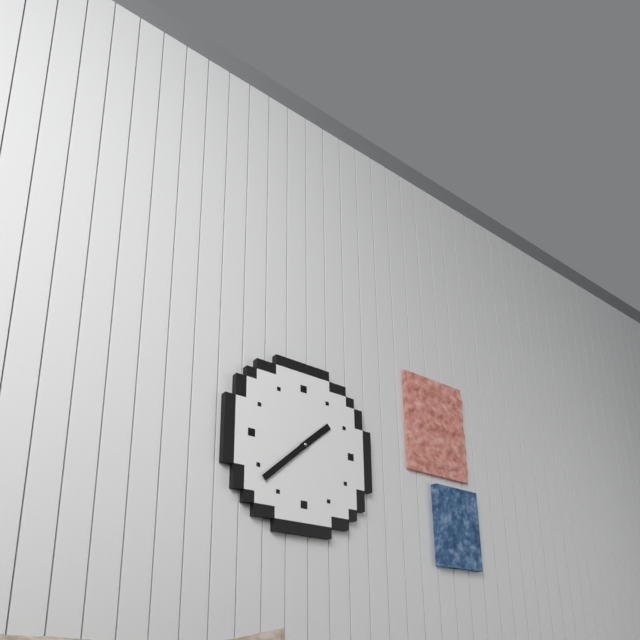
1:38
